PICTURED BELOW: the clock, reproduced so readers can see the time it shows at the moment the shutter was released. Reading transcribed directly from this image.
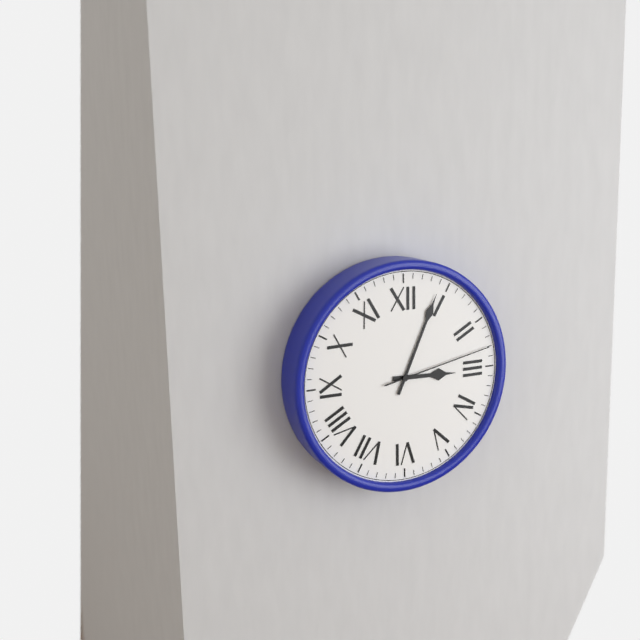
3:04:13
